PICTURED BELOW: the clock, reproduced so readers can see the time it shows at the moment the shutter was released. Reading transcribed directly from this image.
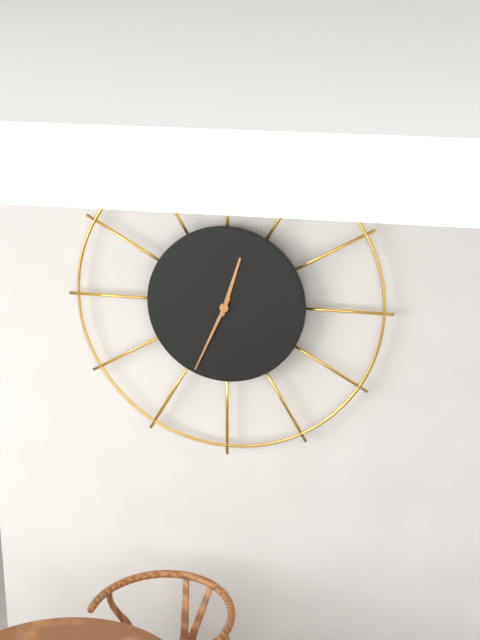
12:34
